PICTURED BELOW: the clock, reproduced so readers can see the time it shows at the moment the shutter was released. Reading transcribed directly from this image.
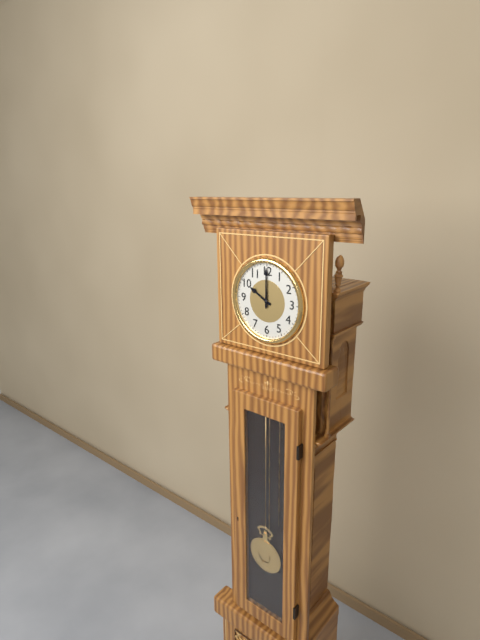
10:00
